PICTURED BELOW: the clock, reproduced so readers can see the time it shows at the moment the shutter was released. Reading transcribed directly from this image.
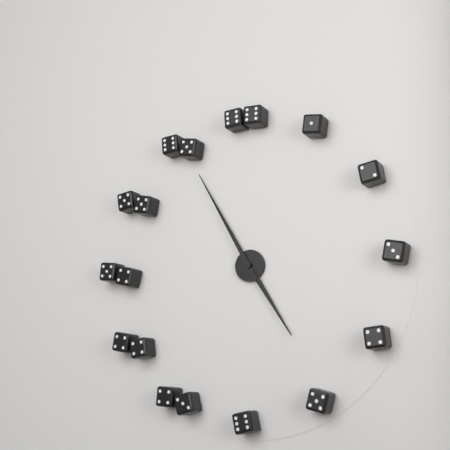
4:55
